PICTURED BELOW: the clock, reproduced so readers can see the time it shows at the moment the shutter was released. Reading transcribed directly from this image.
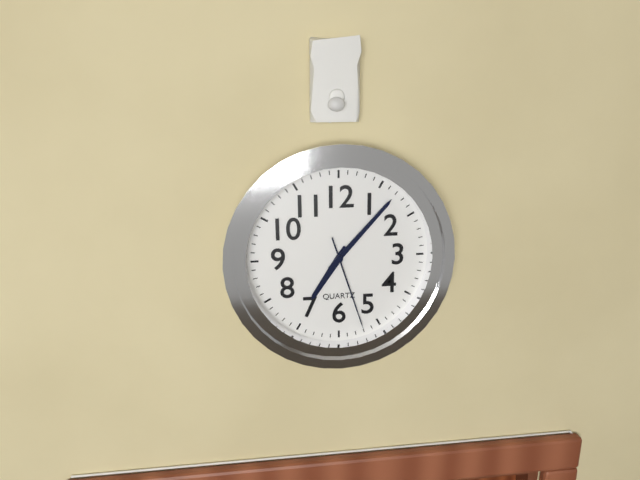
7:07:27
